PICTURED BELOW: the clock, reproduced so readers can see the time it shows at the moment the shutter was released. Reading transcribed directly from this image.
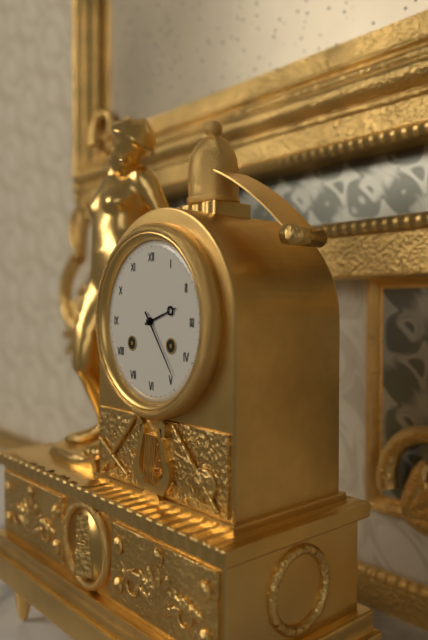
2:24
